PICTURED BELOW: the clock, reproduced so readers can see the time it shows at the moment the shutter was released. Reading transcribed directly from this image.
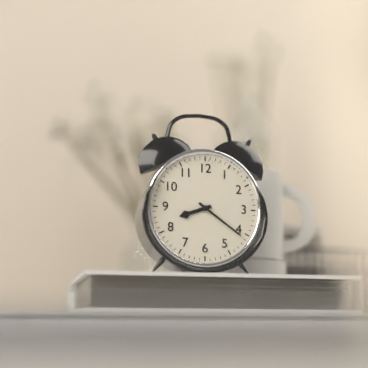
8:21
